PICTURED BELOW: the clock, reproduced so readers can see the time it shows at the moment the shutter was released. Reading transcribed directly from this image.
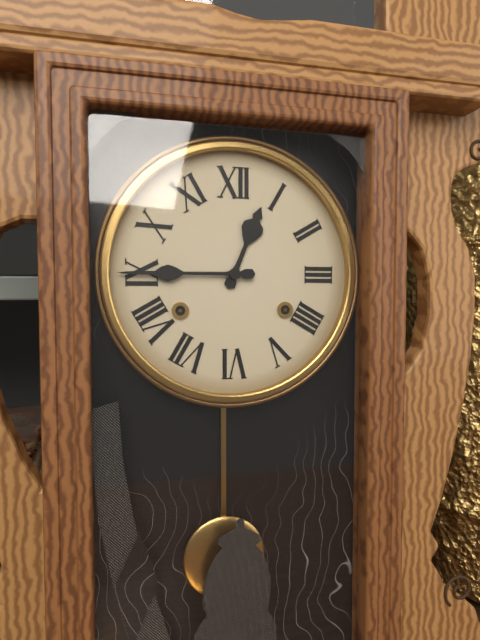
12:45
